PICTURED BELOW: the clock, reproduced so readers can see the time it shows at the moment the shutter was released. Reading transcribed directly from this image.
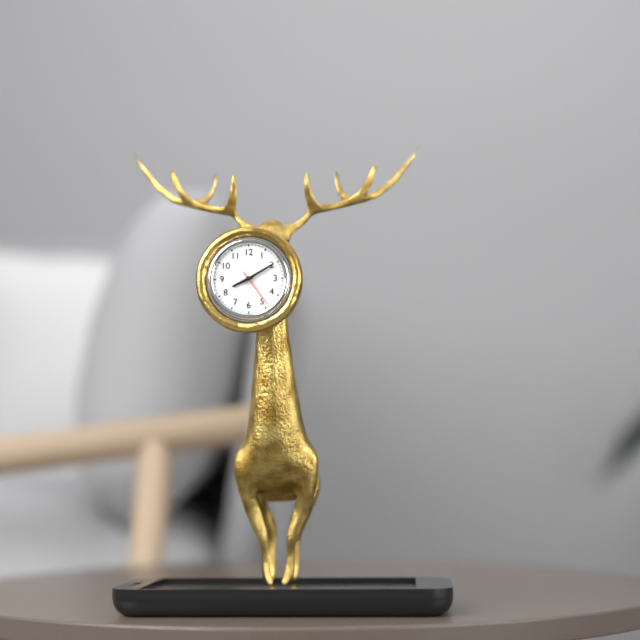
8:10
